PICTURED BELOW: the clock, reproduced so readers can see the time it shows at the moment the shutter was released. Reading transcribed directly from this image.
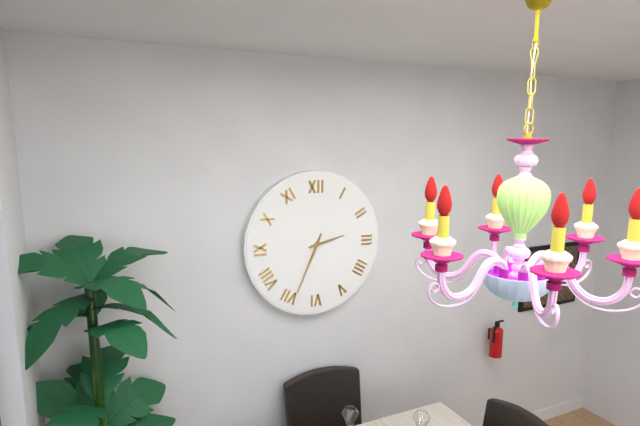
2:34
